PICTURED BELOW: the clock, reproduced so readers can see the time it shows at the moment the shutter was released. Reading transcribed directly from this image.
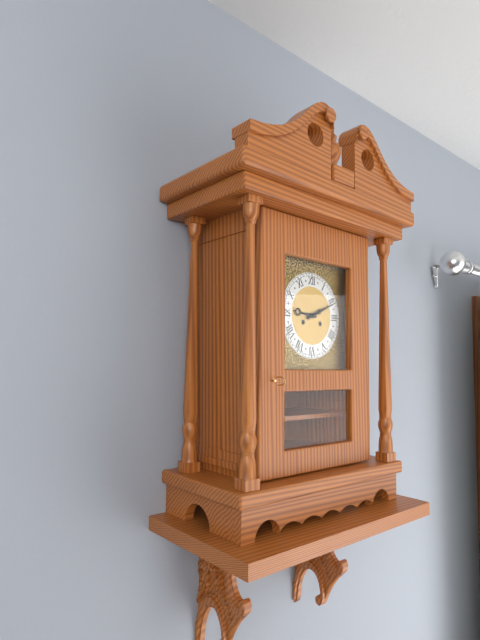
9:11
